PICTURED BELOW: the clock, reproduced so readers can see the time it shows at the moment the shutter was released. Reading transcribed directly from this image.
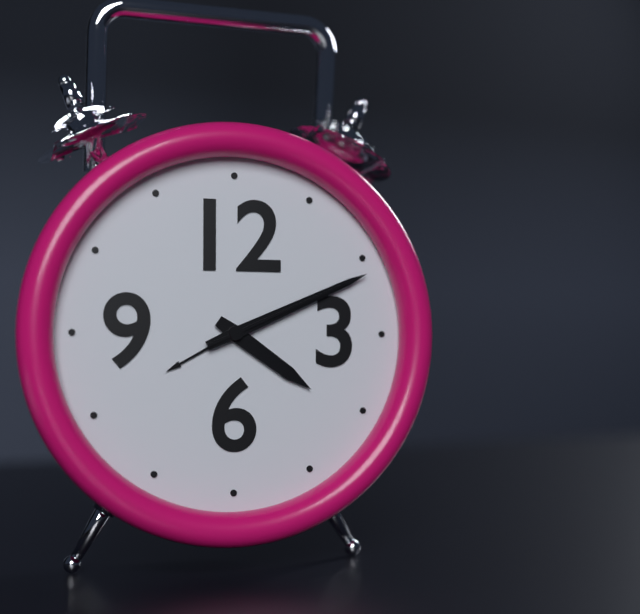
4:11:11
